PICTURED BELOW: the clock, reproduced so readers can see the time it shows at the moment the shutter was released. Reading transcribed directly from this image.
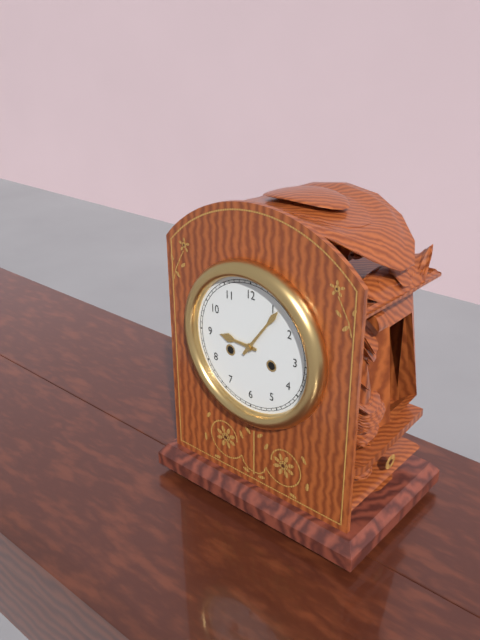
9:06
